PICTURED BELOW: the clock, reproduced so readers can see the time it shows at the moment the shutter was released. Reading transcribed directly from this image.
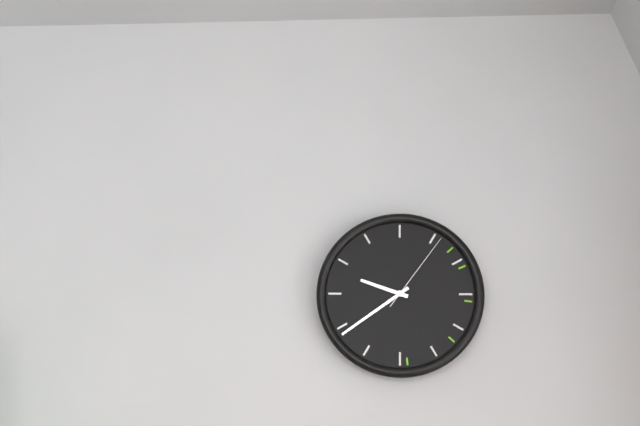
9:39:06
